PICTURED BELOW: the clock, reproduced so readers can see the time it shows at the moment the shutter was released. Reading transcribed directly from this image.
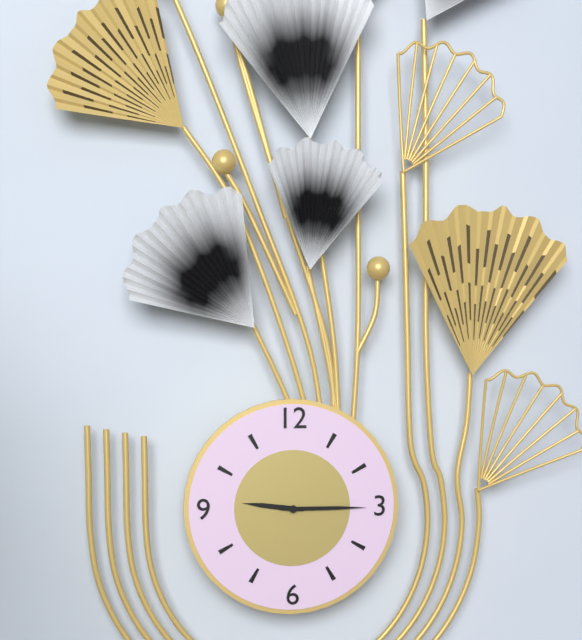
9:15
